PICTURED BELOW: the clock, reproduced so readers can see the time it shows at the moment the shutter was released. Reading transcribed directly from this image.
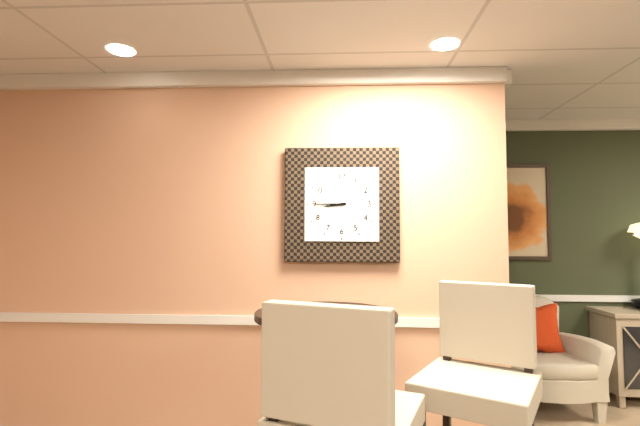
8:45
